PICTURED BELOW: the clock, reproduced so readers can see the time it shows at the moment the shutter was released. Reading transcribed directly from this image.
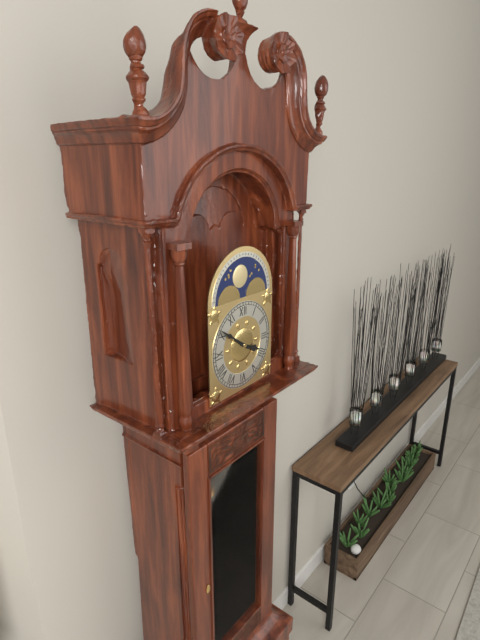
3:51
